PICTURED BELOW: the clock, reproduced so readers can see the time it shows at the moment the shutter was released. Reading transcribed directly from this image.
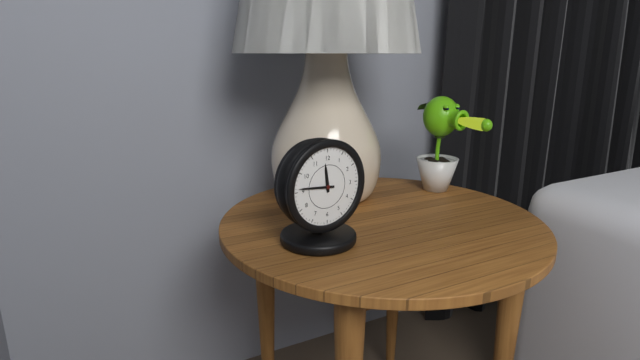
11:46
